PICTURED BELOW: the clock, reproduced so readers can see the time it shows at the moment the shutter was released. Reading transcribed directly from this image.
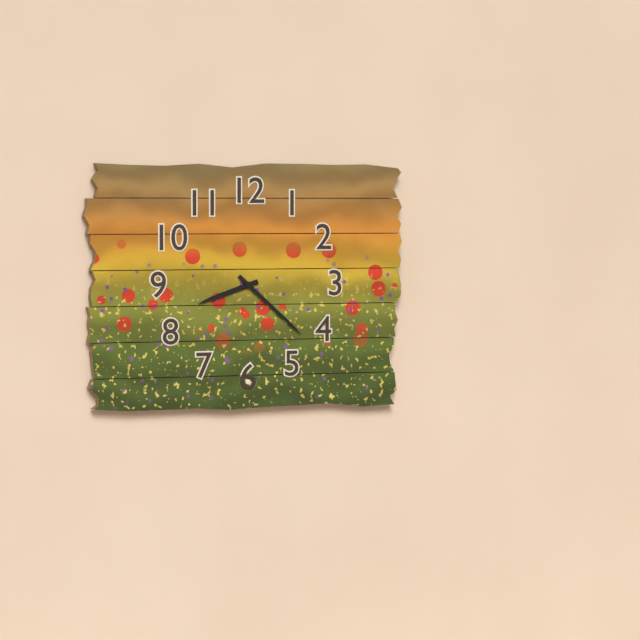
8:22
